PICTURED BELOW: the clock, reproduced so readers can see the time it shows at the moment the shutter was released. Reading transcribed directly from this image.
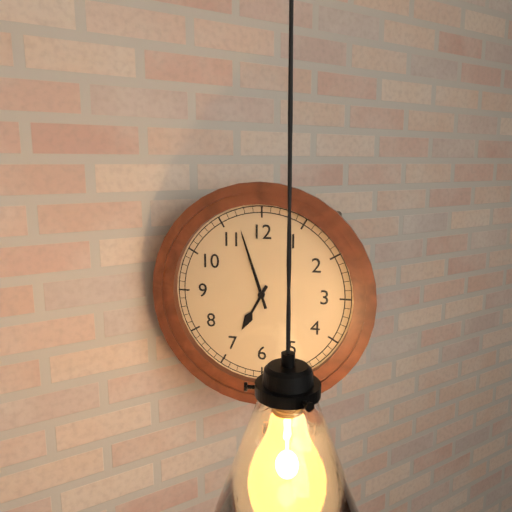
6:57
